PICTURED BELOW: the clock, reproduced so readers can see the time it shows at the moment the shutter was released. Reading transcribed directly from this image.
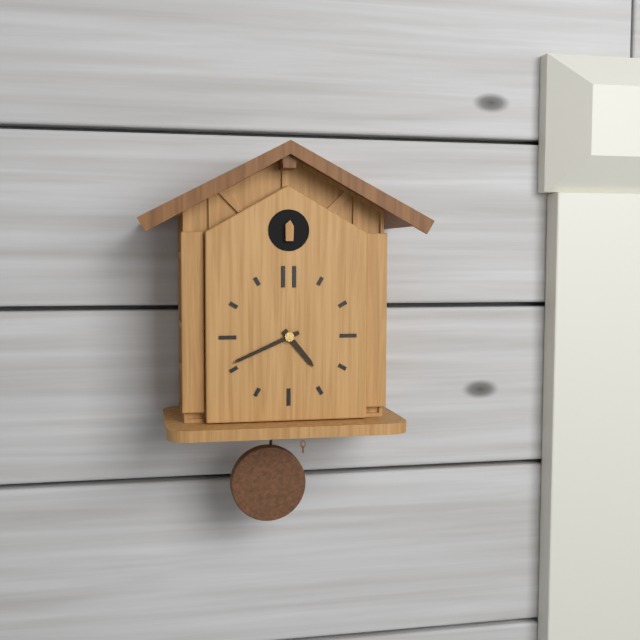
4:41
